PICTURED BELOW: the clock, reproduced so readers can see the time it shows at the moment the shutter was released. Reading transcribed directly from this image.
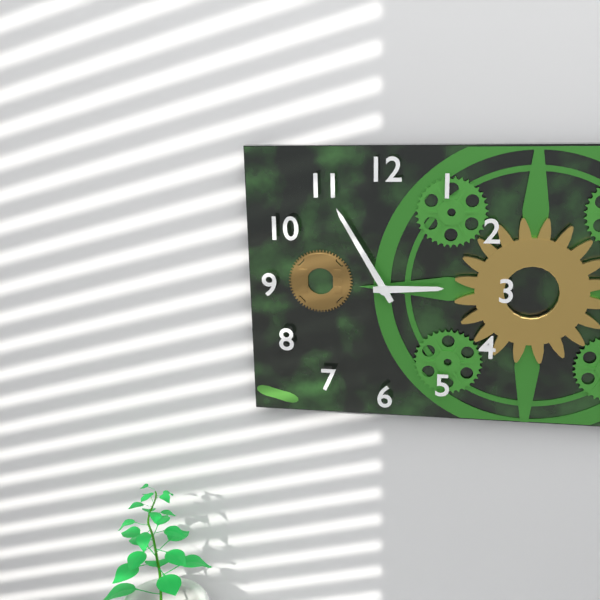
2:55
